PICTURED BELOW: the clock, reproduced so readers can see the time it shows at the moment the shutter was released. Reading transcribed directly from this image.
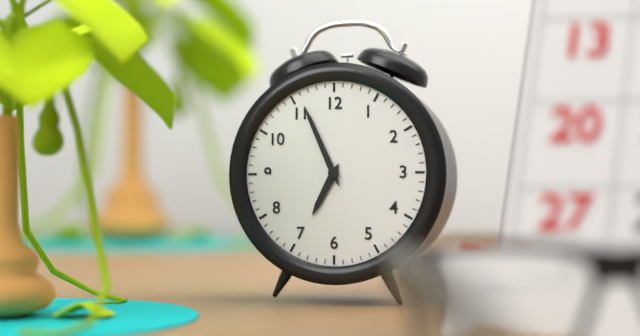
6:56
